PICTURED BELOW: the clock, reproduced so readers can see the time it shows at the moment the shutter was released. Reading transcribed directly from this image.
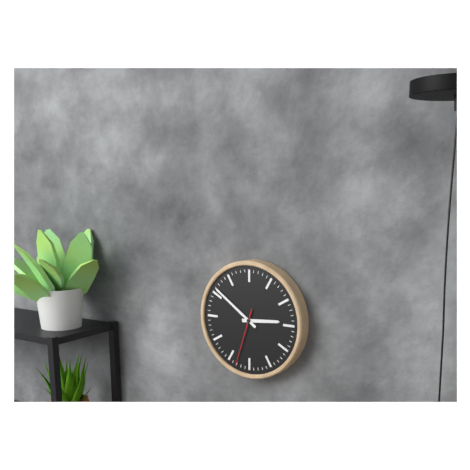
2:51:33
